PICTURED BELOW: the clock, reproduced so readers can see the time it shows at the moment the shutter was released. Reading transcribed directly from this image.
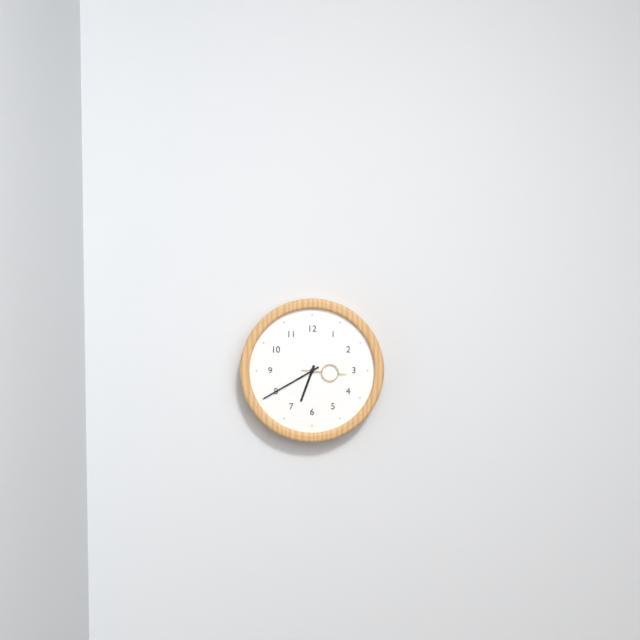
6:40
